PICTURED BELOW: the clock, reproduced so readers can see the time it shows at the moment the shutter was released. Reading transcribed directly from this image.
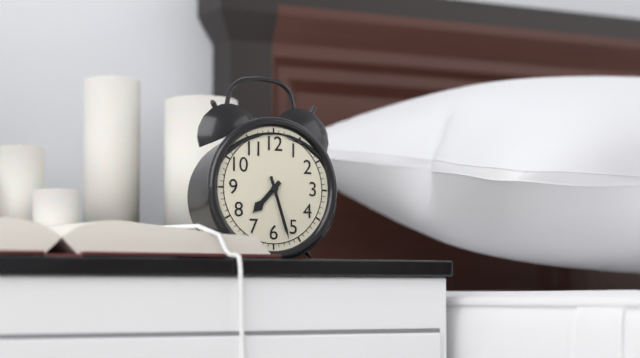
7:27
